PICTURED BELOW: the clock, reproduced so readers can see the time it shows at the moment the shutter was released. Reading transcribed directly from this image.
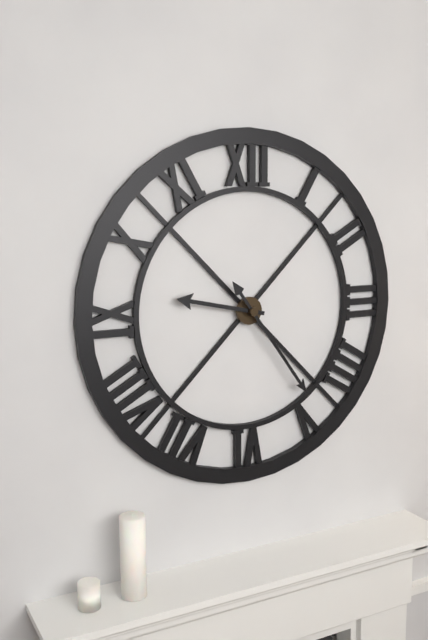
9:24
